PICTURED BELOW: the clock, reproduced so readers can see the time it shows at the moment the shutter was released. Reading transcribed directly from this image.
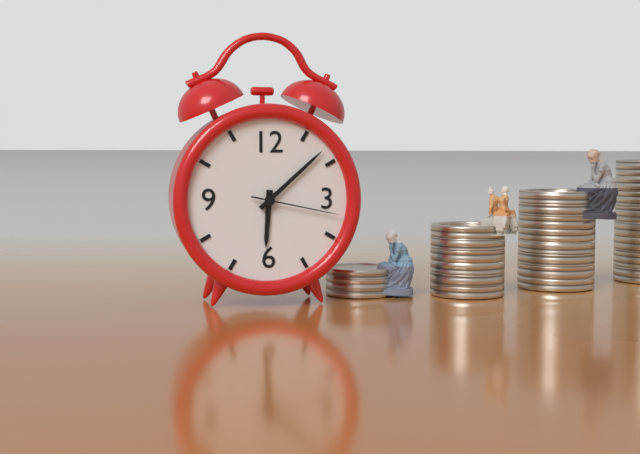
6:08:17
